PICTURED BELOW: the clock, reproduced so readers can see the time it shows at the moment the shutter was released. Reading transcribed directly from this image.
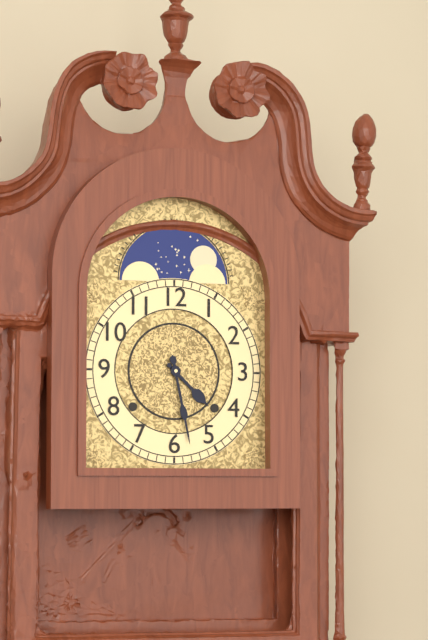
4:28
